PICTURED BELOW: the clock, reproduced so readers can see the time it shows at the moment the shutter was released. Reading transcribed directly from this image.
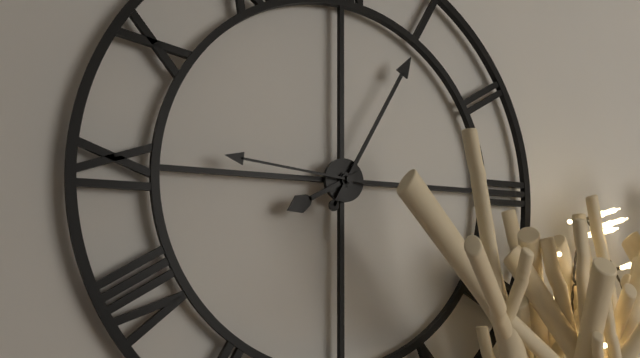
8:05:46
